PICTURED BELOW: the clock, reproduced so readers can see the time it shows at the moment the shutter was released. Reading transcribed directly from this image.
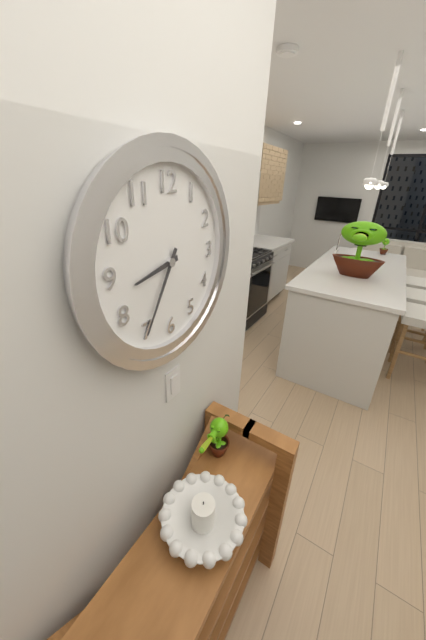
8:35
